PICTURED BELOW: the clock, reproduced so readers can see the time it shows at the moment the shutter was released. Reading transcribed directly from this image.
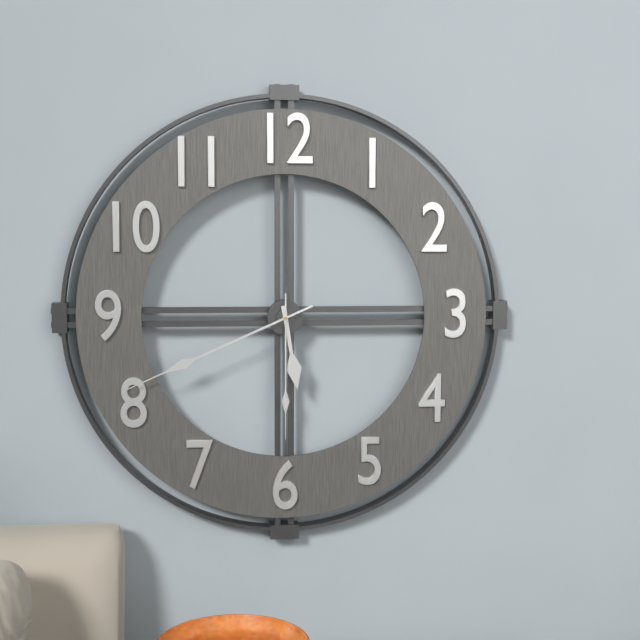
5:41:30
